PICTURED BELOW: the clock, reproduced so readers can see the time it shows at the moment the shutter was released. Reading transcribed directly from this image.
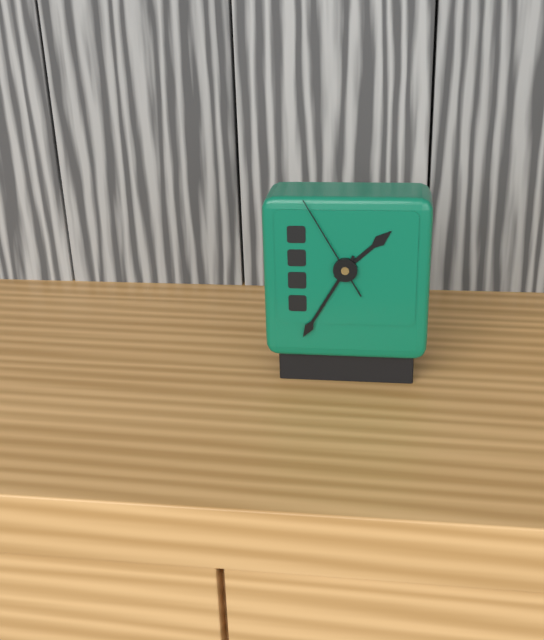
1:35:55
